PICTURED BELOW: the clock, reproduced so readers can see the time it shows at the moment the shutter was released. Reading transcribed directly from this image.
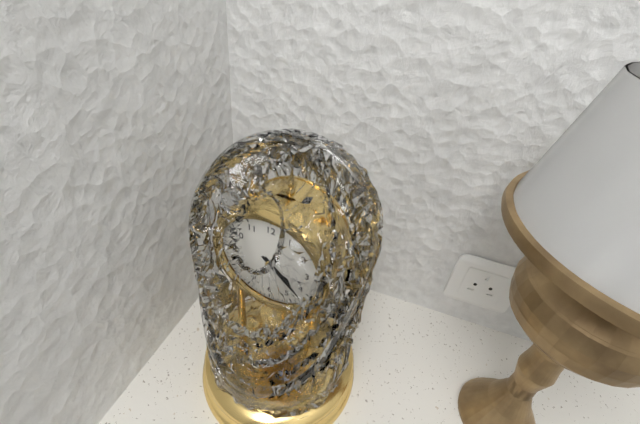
4:22
